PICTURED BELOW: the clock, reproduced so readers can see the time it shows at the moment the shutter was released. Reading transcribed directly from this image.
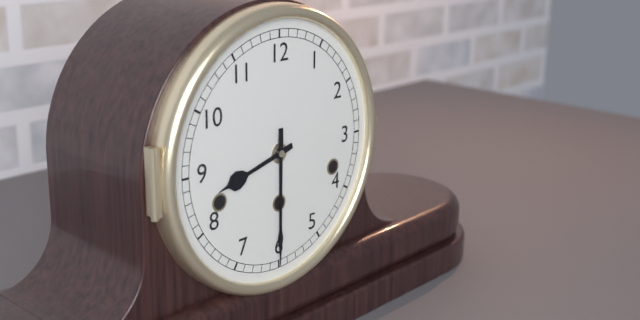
8:30
